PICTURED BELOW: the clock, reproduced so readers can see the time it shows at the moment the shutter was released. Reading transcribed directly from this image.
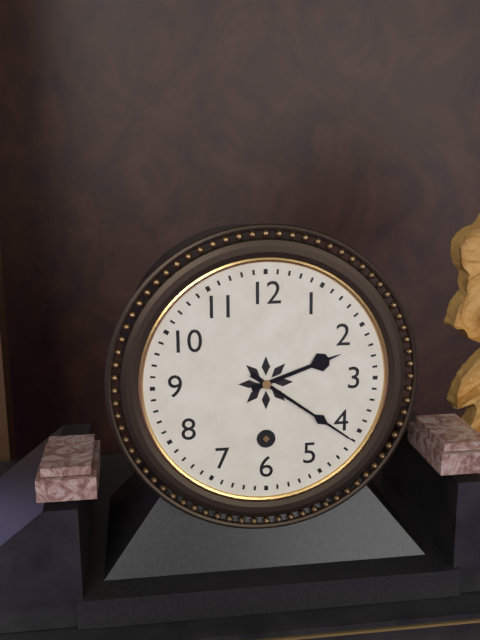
2:21
